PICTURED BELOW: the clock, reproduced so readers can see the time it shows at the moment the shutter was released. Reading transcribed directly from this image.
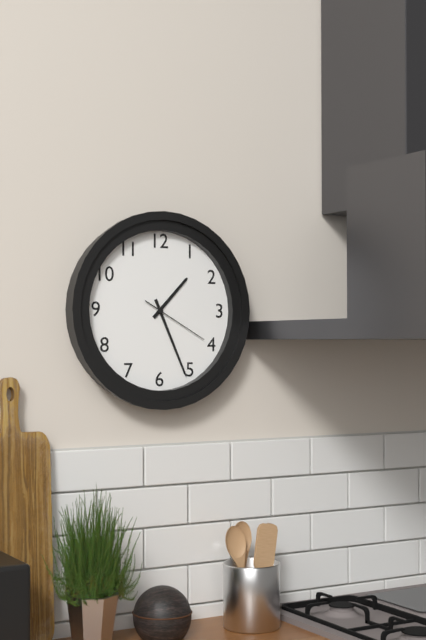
1:26:20
